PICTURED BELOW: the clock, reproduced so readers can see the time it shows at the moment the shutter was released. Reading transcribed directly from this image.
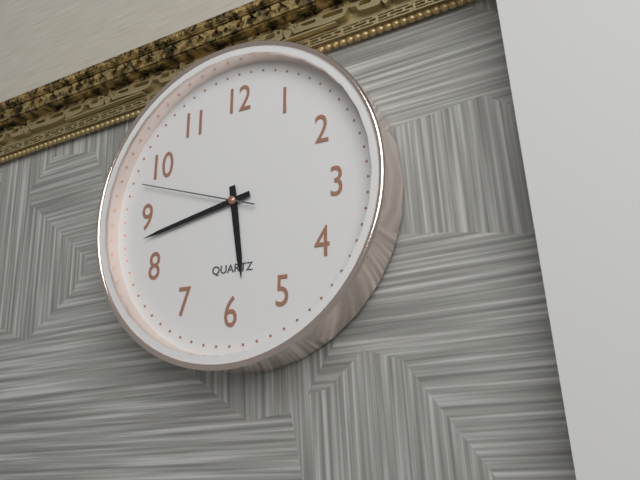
5:43:48
